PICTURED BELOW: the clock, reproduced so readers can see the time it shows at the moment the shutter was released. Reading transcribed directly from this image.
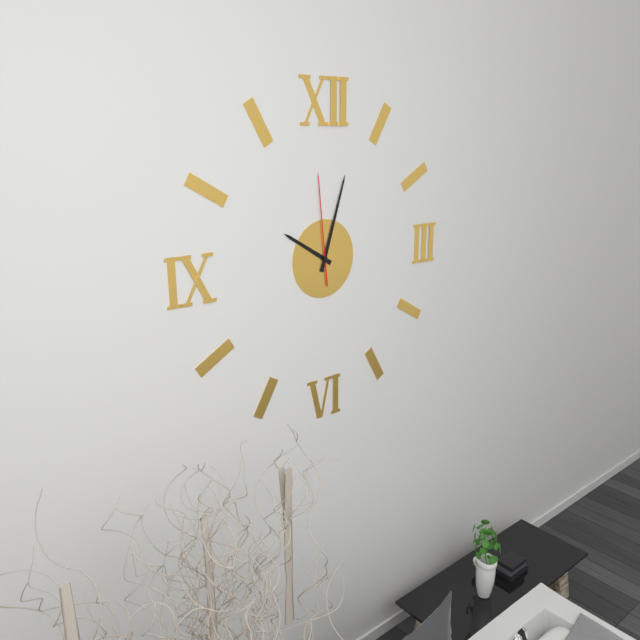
10:03:59
